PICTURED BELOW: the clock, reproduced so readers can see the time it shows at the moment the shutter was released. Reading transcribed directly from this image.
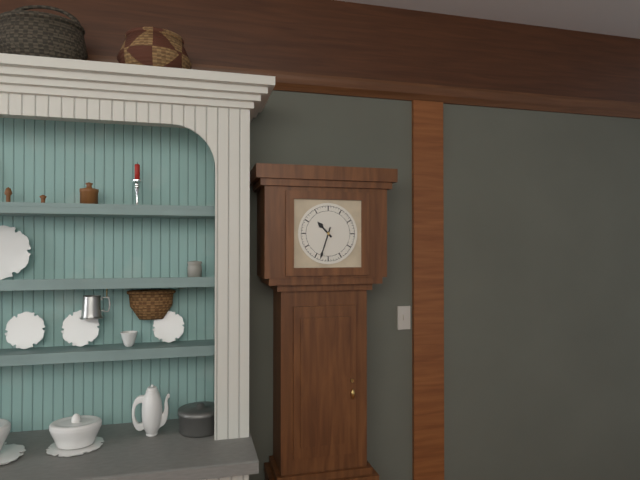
10:33
